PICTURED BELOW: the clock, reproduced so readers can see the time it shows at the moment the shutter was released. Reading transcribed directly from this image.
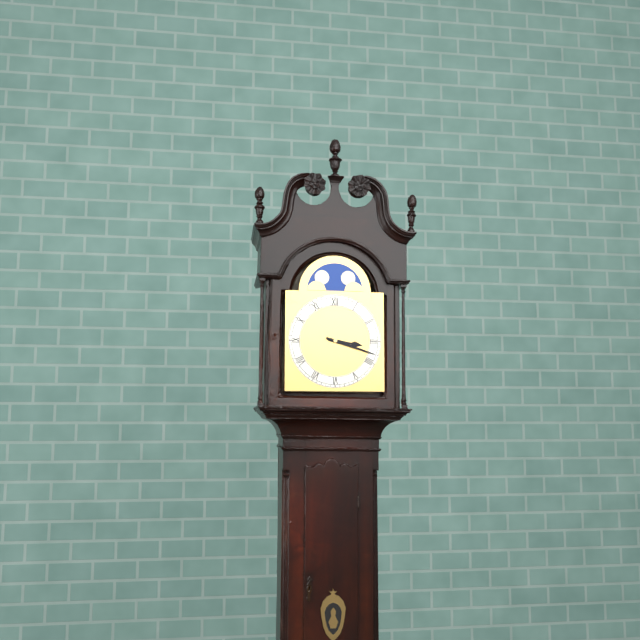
3:18
